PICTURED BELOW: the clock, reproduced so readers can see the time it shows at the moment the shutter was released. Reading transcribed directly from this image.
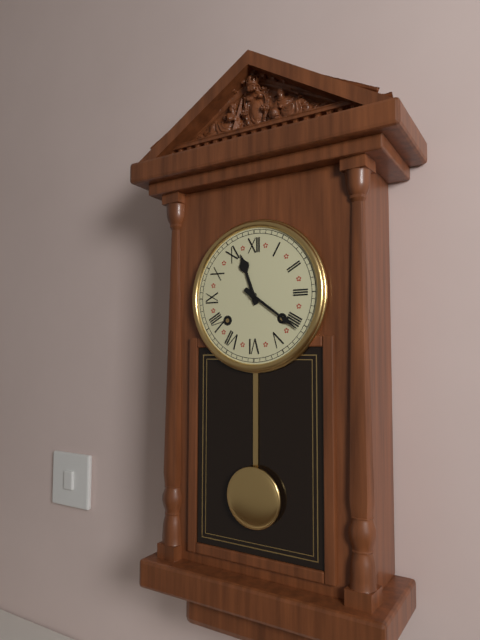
11:21
